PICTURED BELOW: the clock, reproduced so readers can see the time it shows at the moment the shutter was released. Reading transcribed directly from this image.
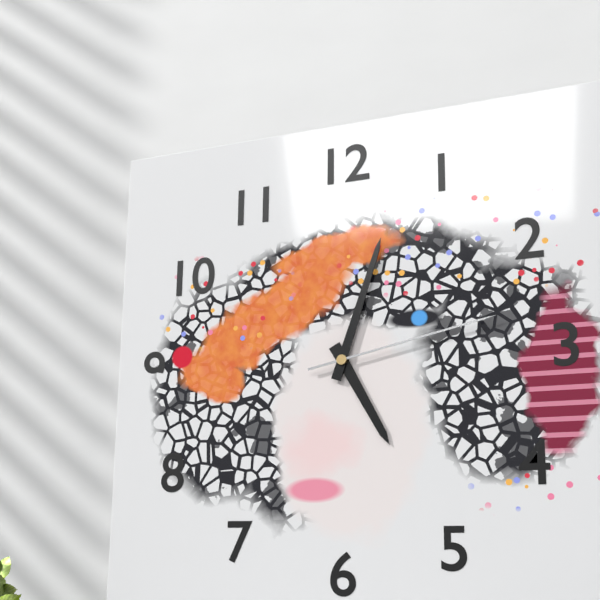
5:03:13
